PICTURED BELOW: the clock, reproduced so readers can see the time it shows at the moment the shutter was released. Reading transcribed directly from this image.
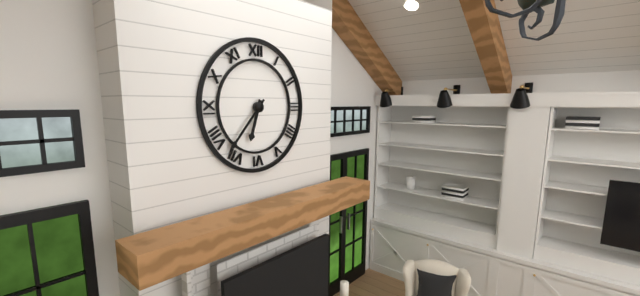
6:37
